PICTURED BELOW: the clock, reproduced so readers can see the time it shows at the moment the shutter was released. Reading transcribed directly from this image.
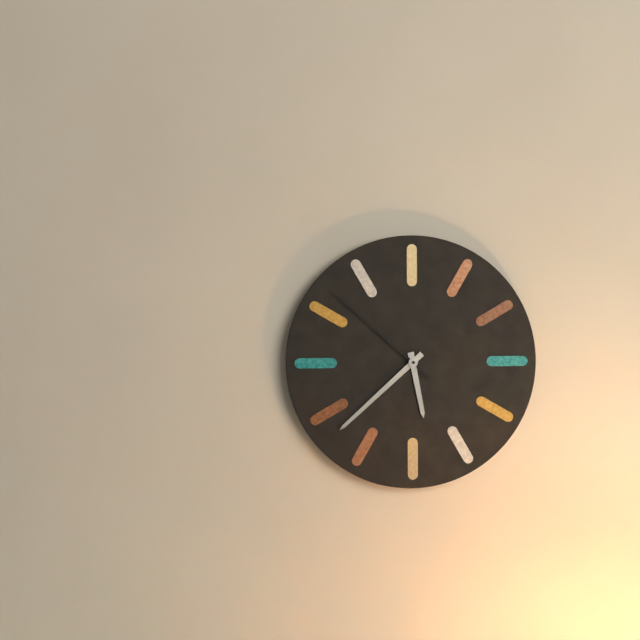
5:38:52
